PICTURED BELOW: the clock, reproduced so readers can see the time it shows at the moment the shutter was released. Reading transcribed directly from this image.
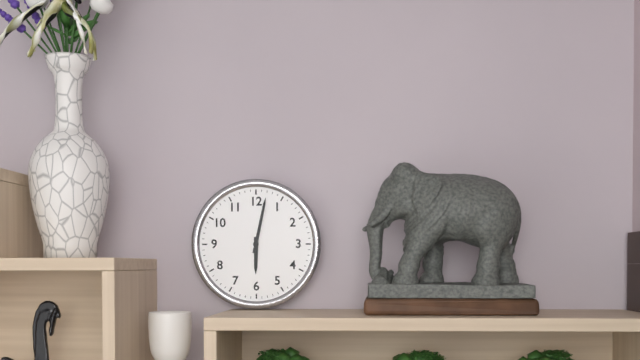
6:02
